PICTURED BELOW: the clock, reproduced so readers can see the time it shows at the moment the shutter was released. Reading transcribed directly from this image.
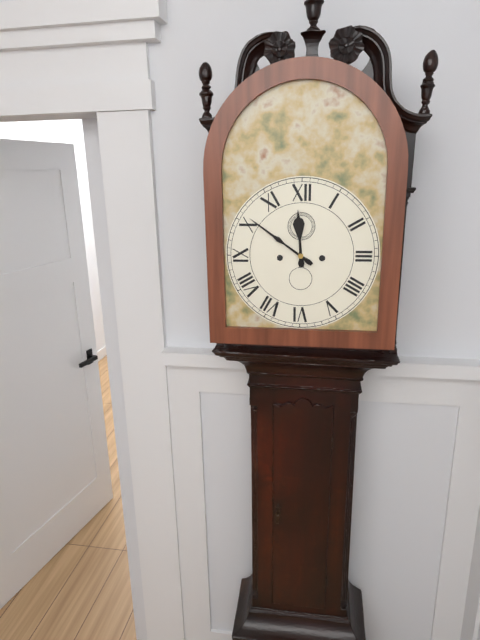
11:51
